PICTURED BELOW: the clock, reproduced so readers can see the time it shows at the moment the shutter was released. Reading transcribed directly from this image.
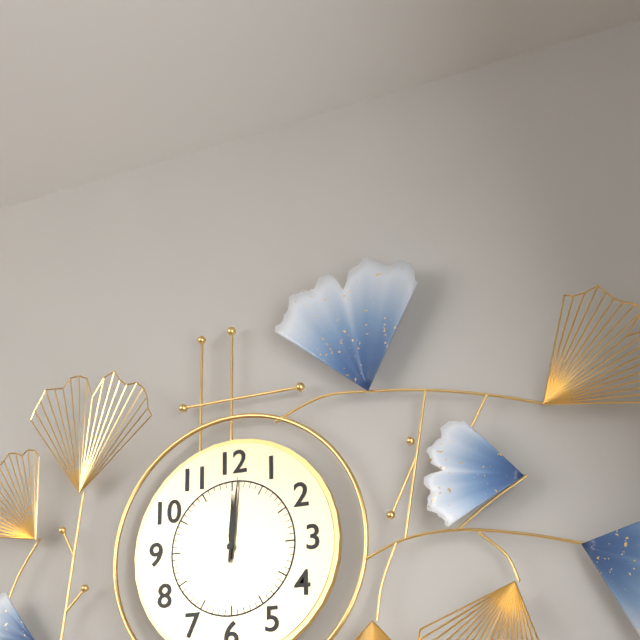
12:01
